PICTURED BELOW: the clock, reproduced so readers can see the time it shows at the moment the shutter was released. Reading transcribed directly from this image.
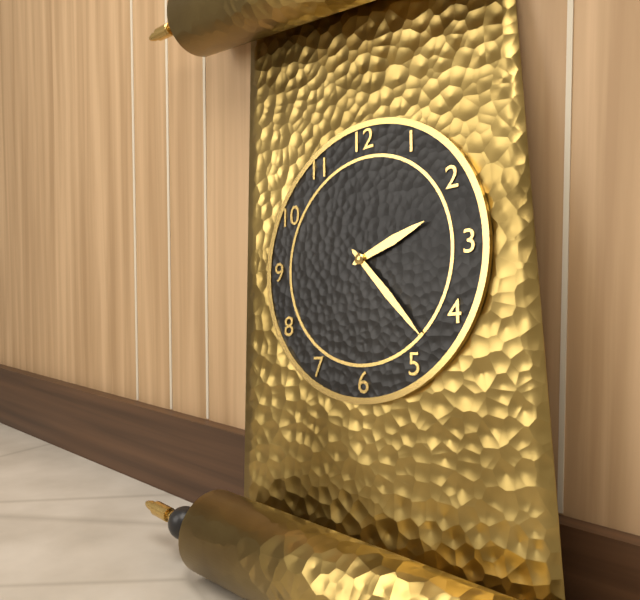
2:23
